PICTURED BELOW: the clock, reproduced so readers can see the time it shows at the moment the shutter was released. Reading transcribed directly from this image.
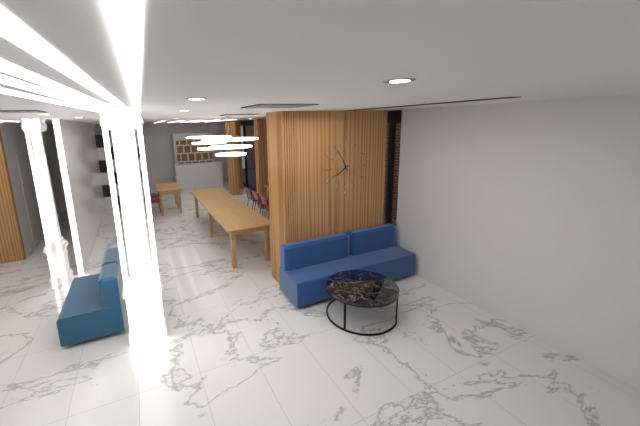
7:55
